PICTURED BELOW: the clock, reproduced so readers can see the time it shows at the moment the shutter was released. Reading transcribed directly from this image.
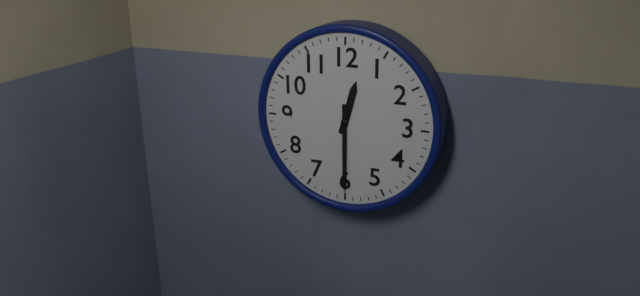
12:30
